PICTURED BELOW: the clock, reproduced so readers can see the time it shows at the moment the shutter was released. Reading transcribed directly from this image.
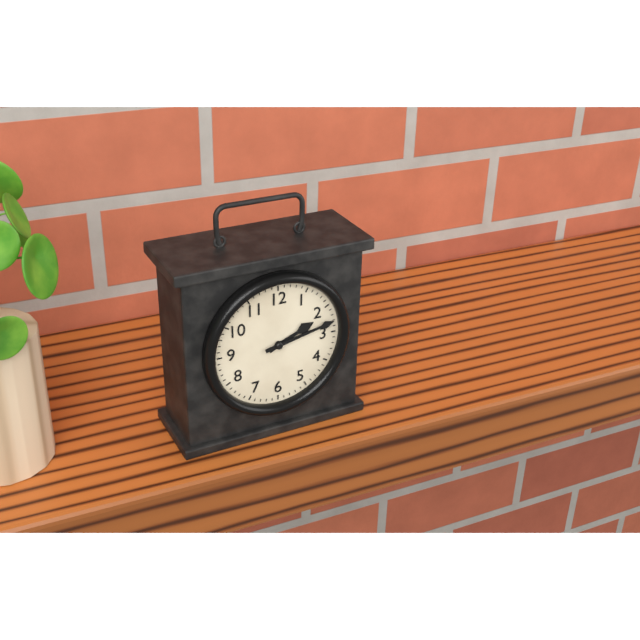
2:13
